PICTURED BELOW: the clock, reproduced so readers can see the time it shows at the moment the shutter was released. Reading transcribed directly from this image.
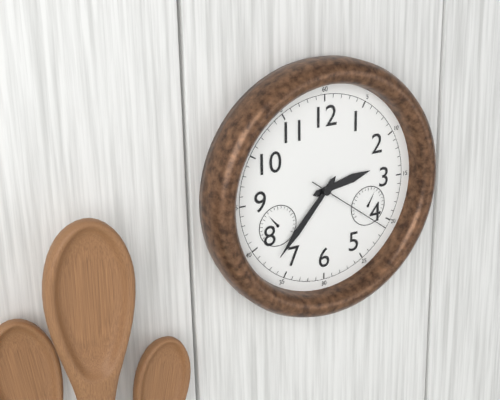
2:37:21
